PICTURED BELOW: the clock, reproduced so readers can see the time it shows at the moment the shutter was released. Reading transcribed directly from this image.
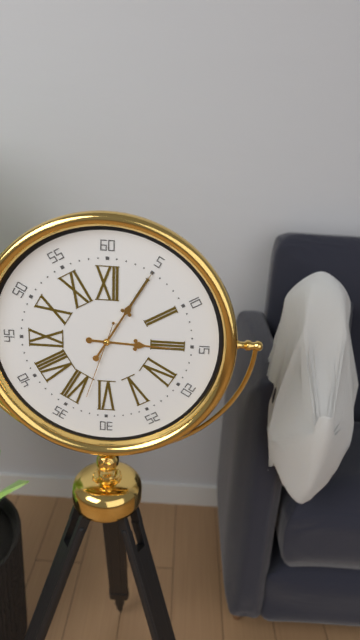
3:05:33
